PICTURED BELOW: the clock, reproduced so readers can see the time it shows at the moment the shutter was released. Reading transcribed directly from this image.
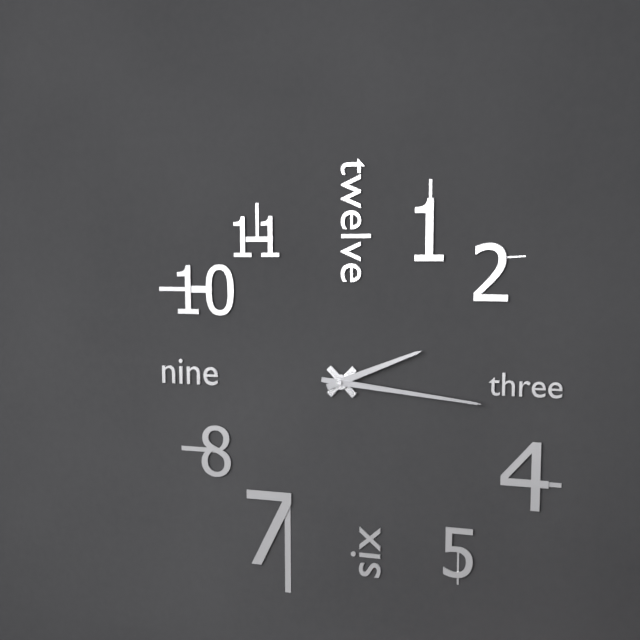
2:16
